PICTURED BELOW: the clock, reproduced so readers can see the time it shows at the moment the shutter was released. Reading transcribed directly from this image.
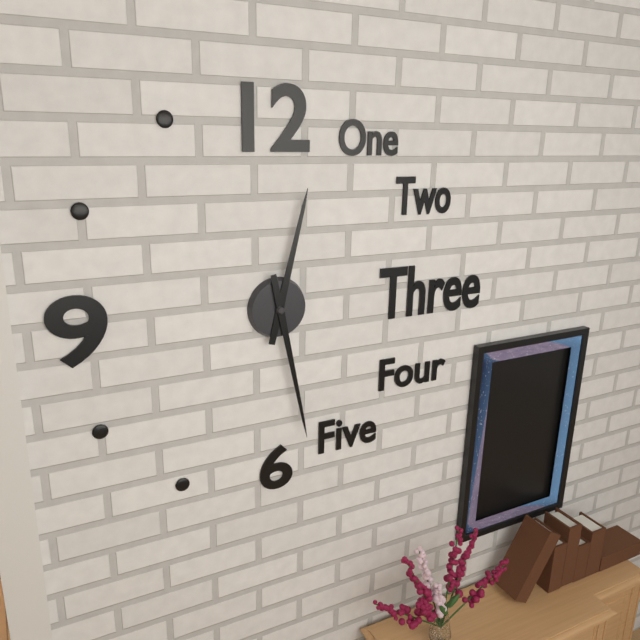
12:28
